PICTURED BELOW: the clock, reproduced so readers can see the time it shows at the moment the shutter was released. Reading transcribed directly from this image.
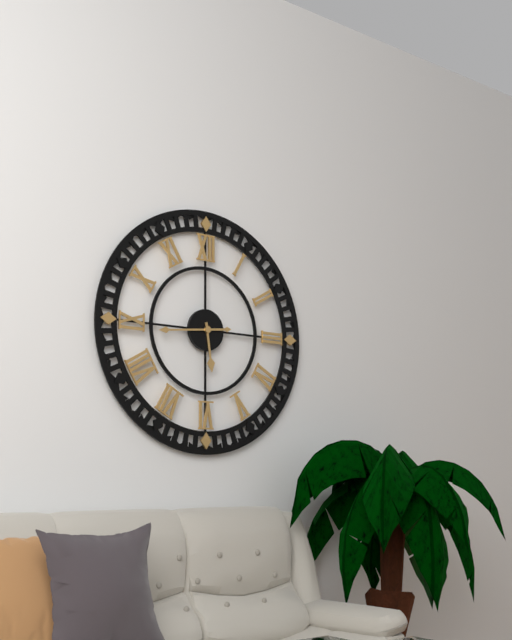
5:44
